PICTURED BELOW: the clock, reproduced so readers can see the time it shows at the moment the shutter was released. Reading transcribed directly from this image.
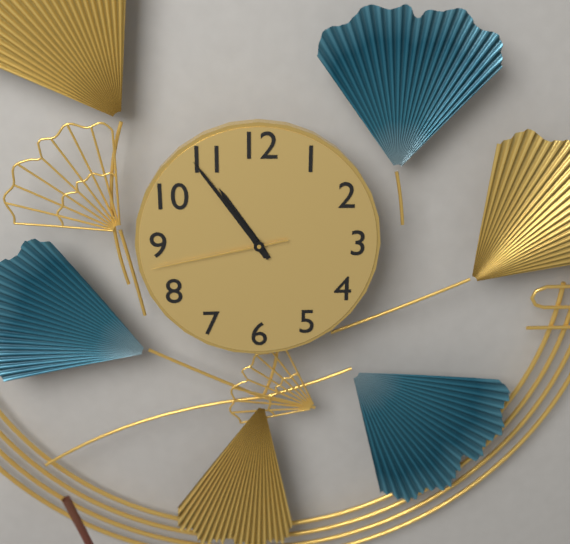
10:54:43
